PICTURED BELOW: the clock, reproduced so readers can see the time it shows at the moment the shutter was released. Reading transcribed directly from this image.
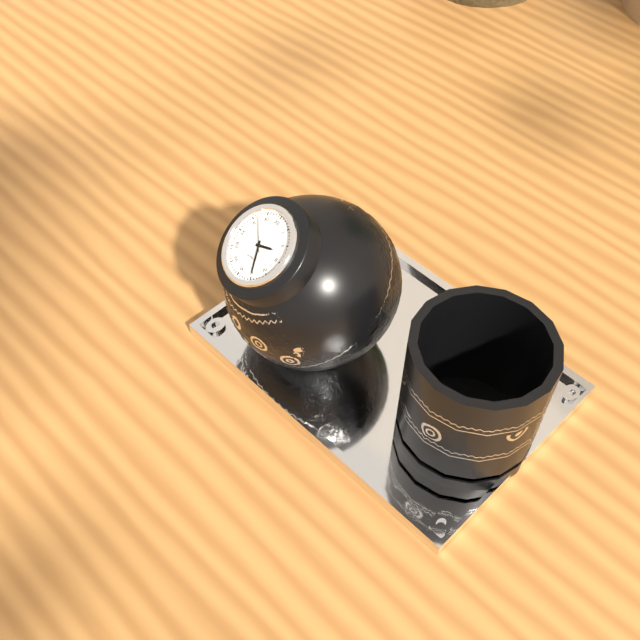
2:25:52
